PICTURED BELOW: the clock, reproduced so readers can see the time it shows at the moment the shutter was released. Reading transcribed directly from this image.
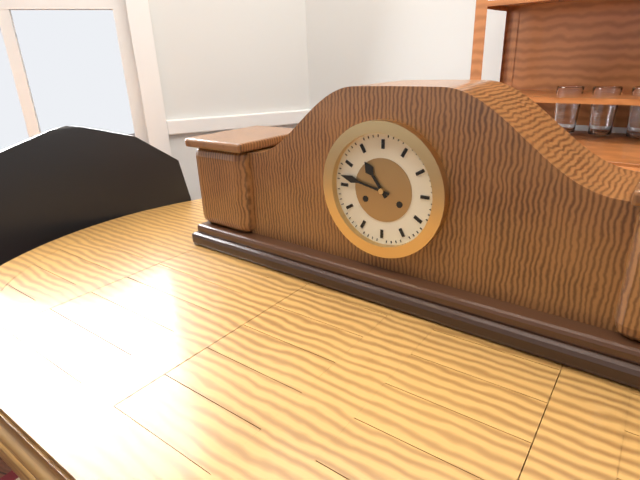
10:47
